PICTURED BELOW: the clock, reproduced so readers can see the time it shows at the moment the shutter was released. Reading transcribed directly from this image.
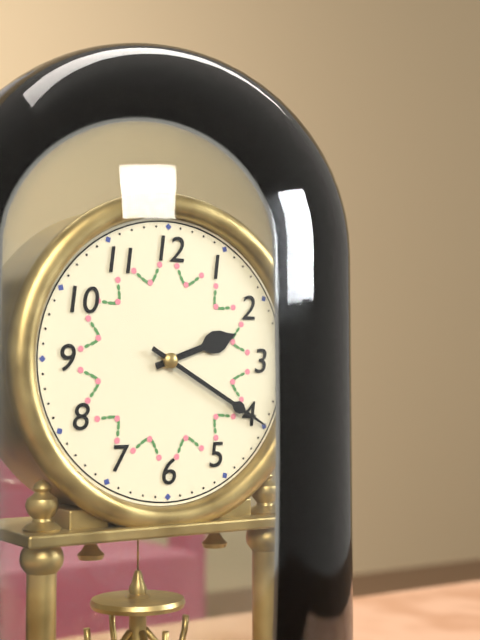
2:20
